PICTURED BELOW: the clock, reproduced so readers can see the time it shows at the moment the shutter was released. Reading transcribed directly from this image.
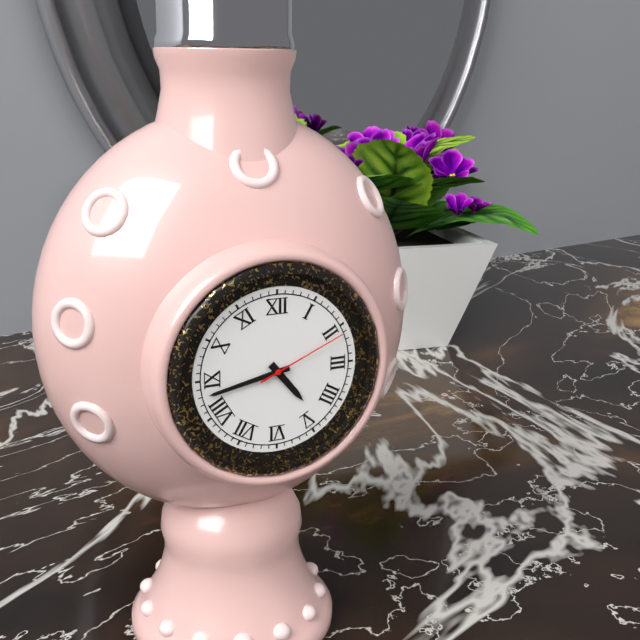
4:43:11
